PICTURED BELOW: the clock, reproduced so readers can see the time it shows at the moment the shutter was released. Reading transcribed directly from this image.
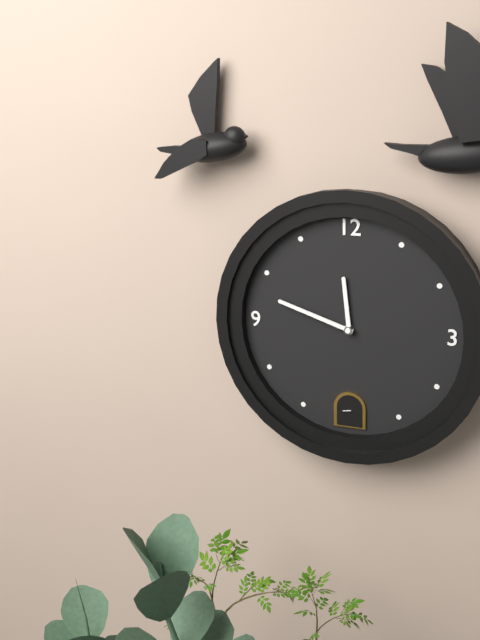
11:48
